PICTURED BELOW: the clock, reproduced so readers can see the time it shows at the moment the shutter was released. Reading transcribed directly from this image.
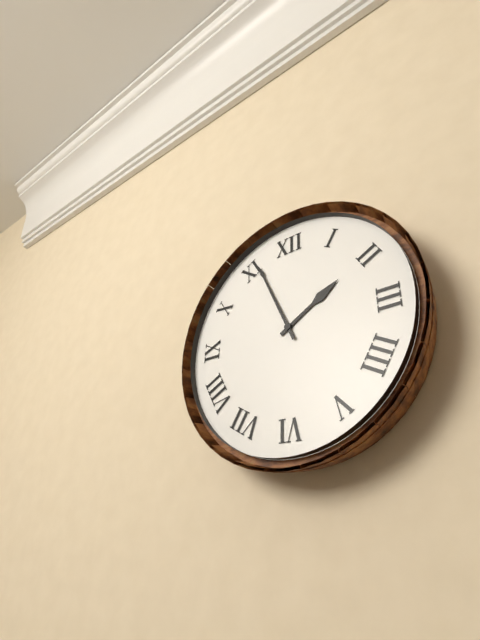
1:56
